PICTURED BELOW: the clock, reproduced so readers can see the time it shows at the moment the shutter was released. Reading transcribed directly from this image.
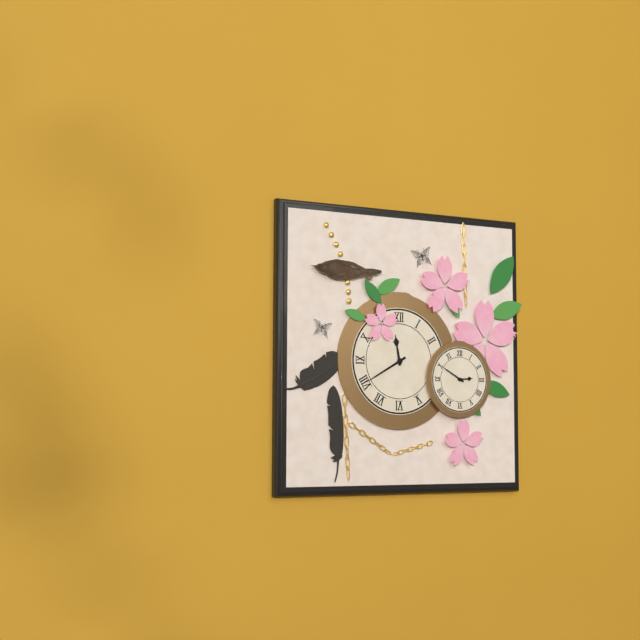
11:40
